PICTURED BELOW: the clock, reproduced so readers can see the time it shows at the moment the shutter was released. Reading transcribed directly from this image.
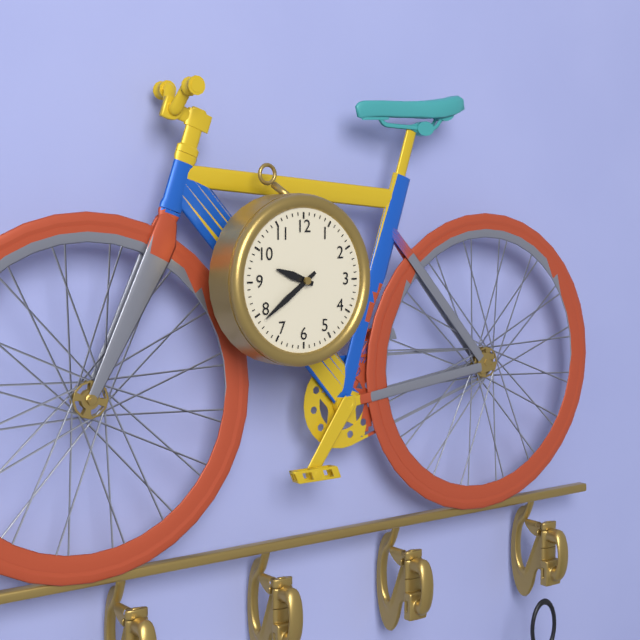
9:39
